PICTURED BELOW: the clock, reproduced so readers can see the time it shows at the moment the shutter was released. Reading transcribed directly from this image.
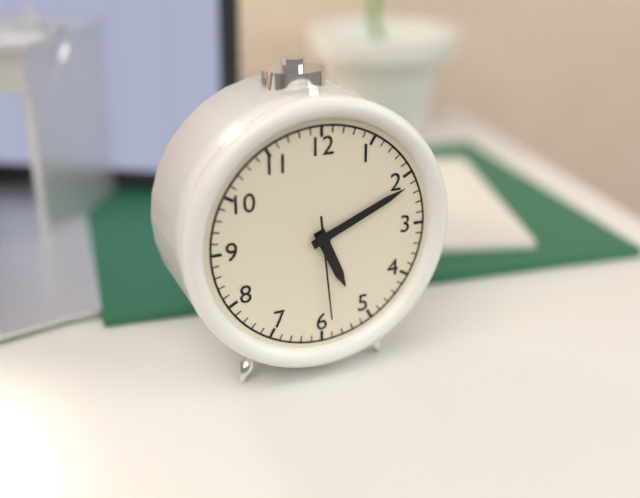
5:11:29
